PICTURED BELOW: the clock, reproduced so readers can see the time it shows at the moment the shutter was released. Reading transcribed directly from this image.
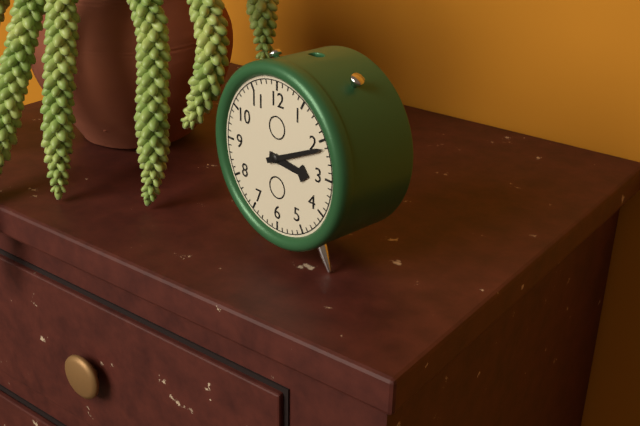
3:11
